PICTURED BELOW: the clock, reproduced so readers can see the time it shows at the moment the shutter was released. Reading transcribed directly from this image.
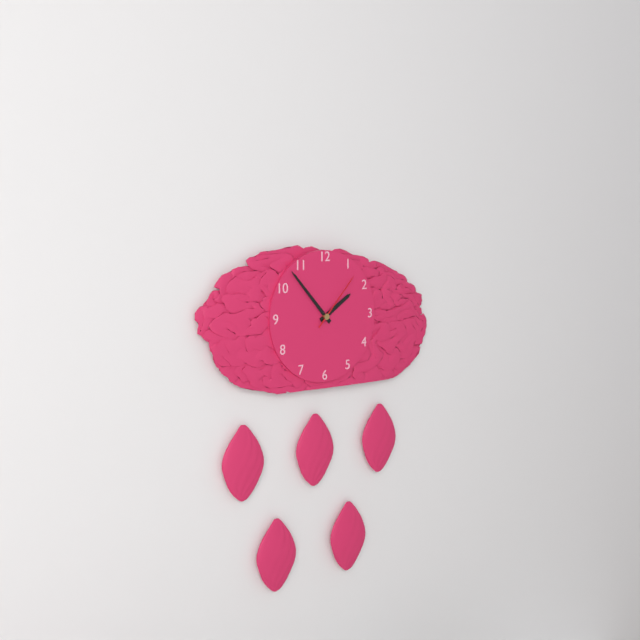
1:53:07
